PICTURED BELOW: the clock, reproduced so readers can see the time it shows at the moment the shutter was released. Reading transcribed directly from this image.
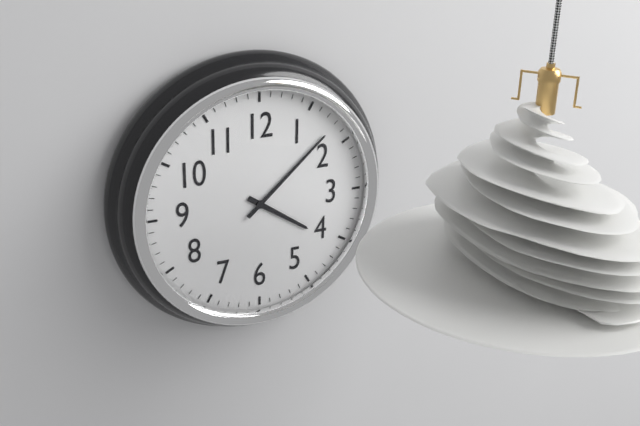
4:08
